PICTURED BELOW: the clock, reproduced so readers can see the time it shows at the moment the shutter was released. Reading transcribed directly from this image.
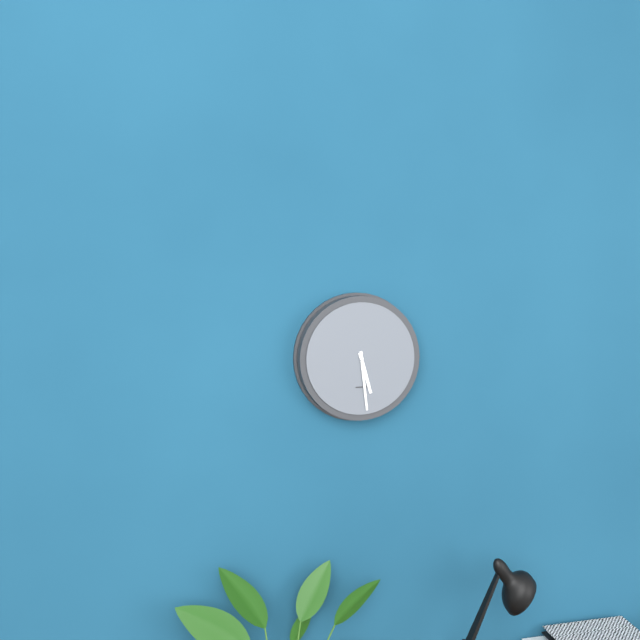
5:29
